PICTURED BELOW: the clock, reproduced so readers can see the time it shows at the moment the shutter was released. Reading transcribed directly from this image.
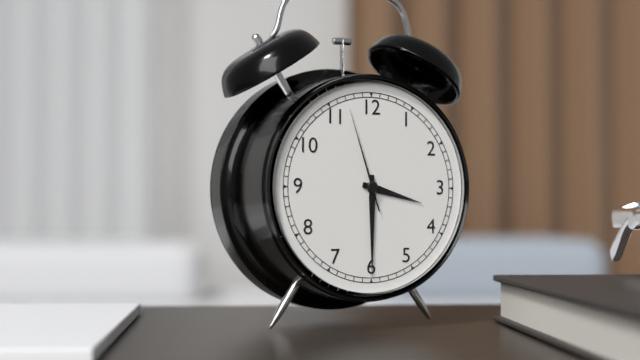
3:30:57
